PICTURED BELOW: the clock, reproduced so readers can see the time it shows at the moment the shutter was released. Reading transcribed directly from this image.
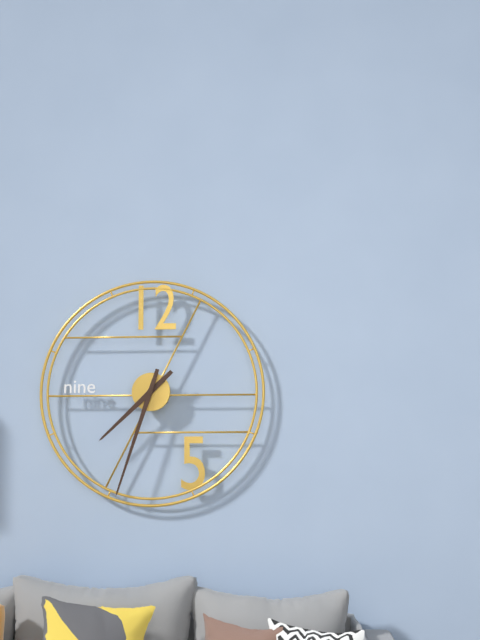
7:33
